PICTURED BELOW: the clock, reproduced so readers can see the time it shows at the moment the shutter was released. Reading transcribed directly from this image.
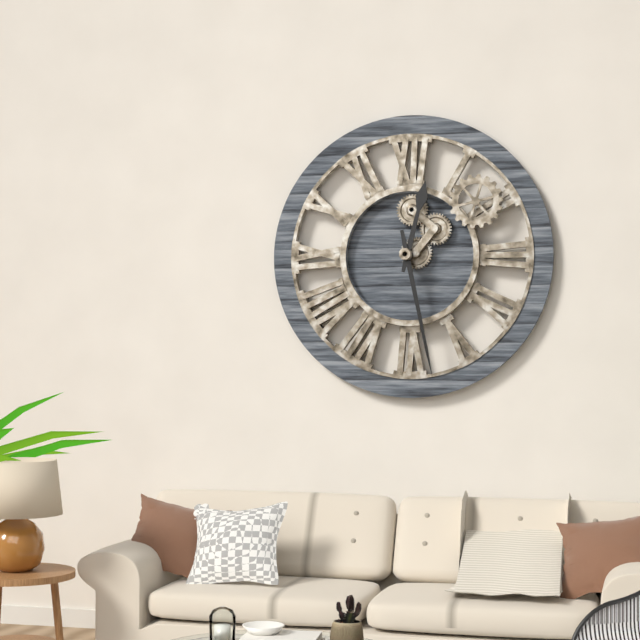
12:28
